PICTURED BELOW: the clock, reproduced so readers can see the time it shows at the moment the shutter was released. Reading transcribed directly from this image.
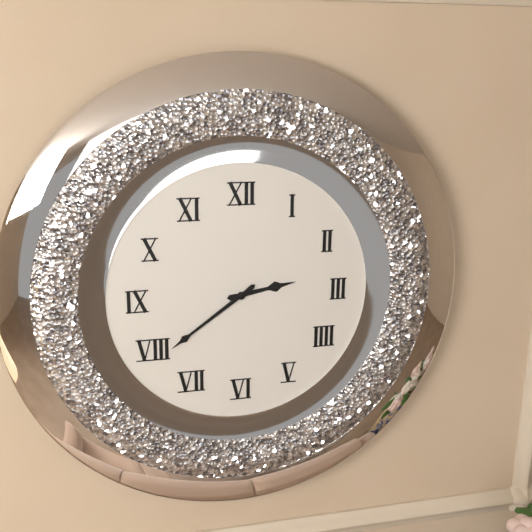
2:39
